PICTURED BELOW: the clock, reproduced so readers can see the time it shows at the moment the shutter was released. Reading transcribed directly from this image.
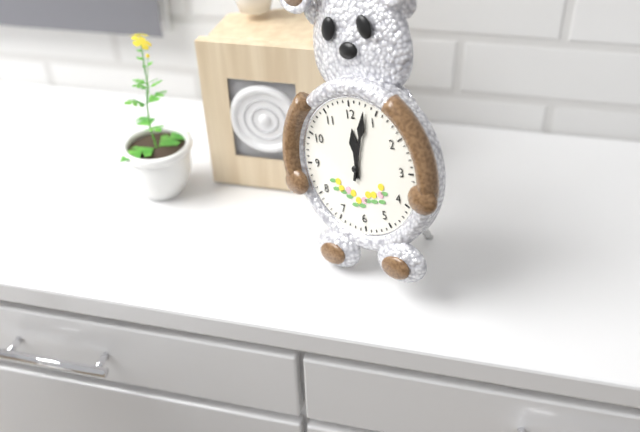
12:03
